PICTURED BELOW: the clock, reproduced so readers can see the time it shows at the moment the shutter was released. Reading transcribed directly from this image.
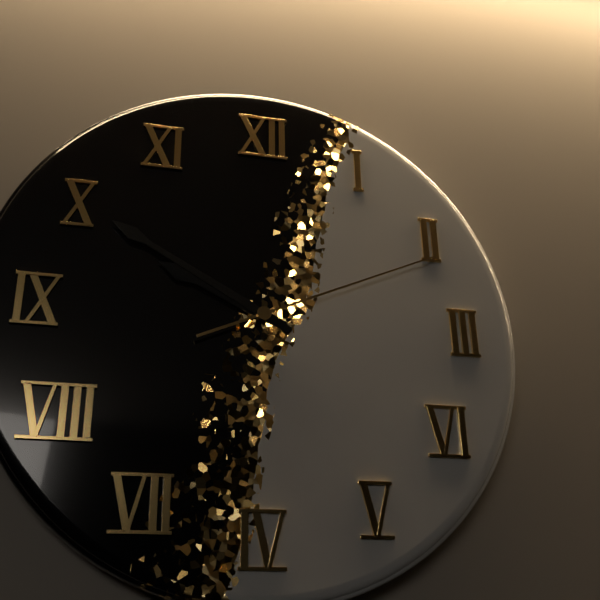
9:50:11
